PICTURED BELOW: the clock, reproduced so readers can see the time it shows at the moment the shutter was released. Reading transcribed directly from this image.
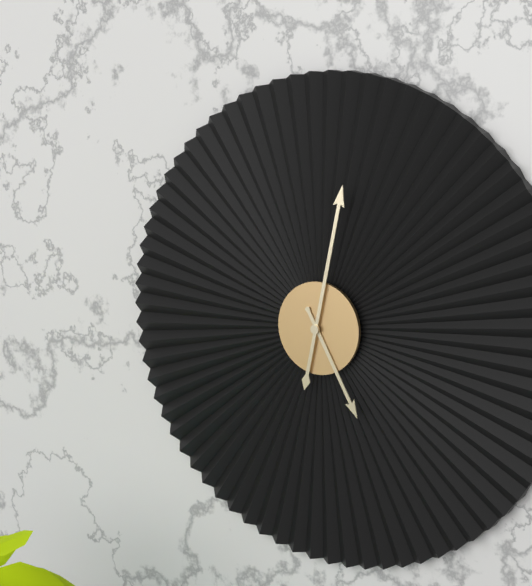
5:02
